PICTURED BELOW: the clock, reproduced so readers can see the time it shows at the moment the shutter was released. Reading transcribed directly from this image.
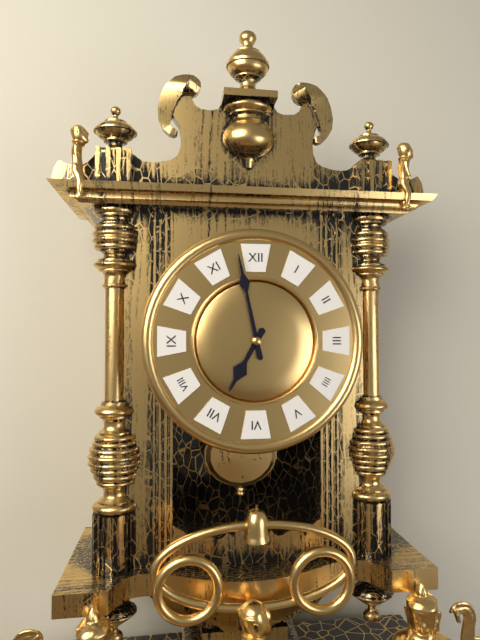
6:58
